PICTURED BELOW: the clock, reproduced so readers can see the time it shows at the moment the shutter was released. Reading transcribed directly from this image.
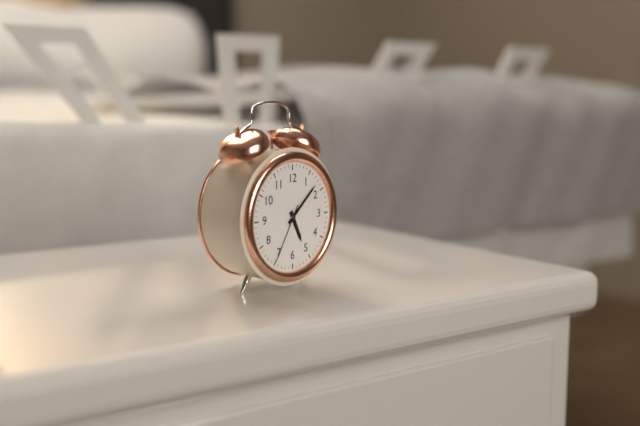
5:08:35
